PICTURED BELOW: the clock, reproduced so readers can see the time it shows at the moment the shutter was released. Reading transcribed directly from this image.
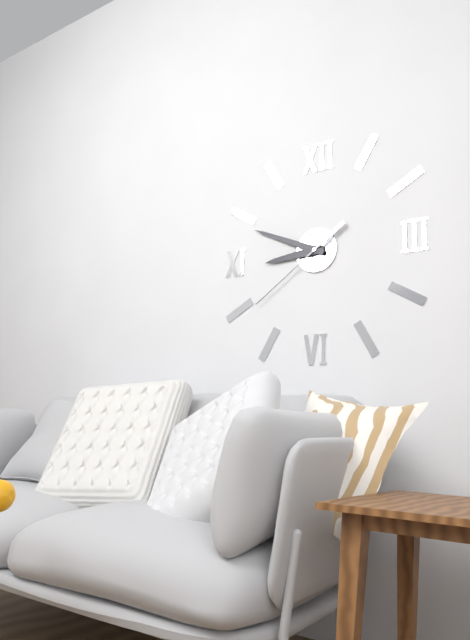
8:49:39
